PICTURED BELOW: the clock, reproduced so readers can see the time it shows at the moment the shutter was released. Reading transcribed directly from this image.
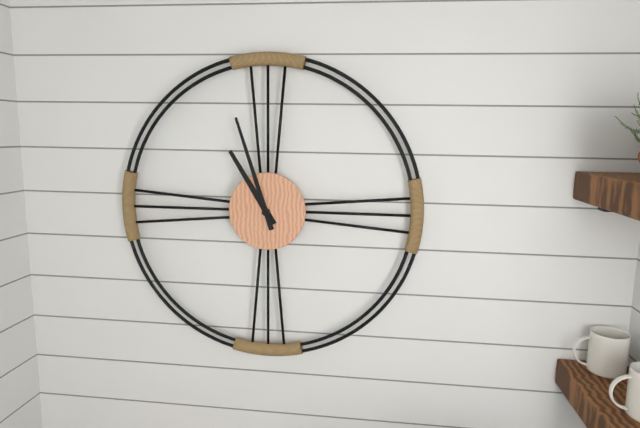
10:57
